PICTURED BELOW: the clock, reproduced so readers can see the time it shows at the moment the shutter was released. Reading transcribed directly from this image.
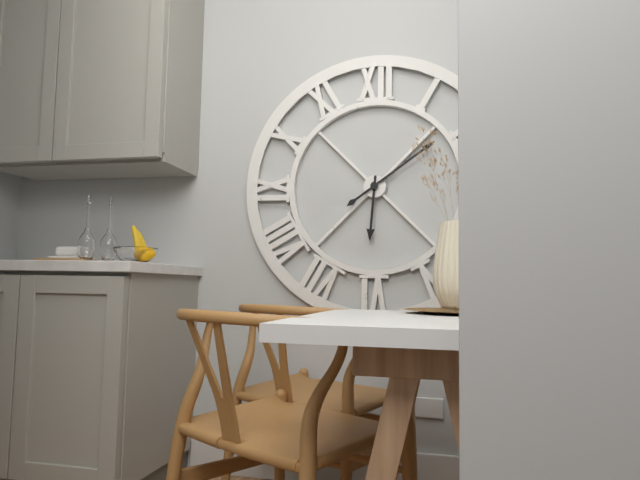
6:09
